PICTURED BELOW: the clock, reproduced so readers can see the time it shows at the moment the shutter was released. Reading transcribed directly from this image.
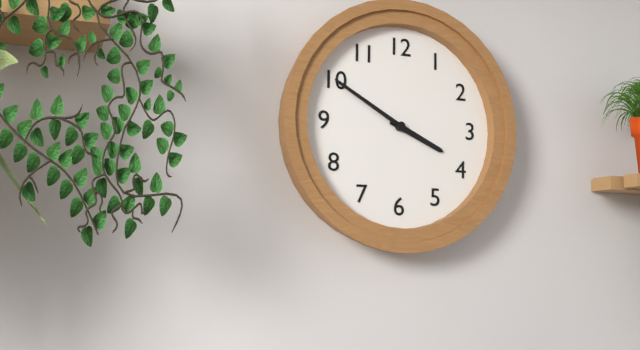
3:50
